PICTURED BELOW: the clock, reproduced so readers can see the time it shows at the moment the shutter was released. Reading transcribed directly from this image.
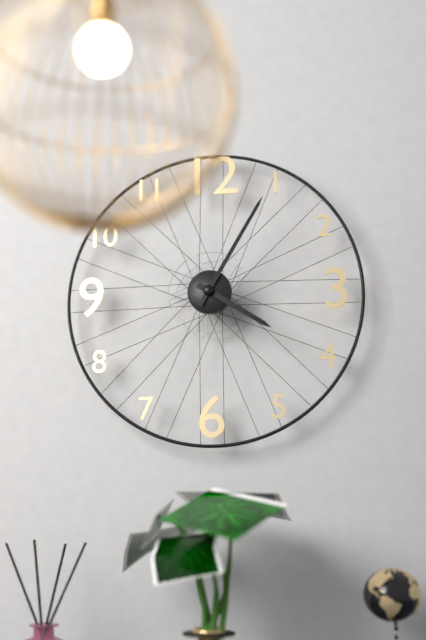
4:05
